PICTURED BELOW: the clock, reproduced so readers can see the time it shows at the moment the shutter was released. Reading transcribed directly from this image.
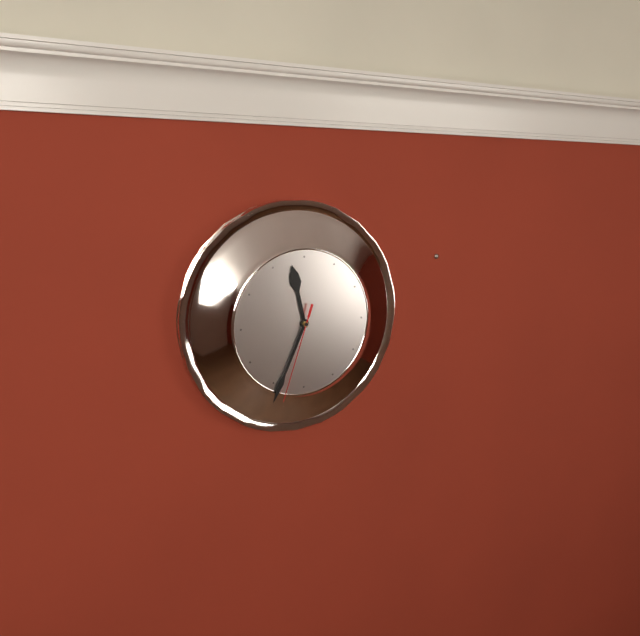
11:34:33
